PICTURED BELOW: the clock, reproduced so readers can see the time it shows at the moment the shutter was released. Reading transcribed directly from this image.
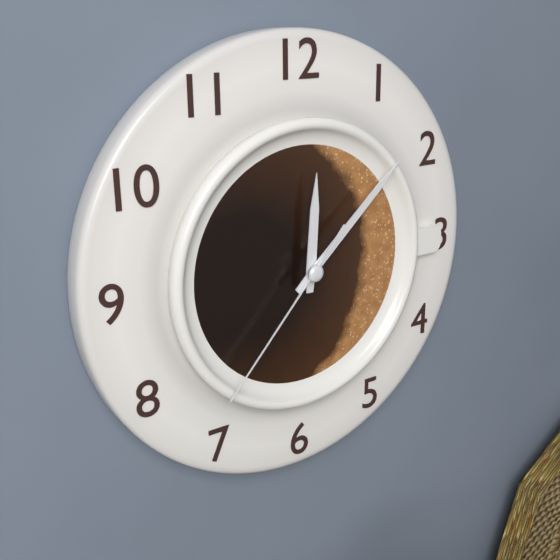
12:08:37
